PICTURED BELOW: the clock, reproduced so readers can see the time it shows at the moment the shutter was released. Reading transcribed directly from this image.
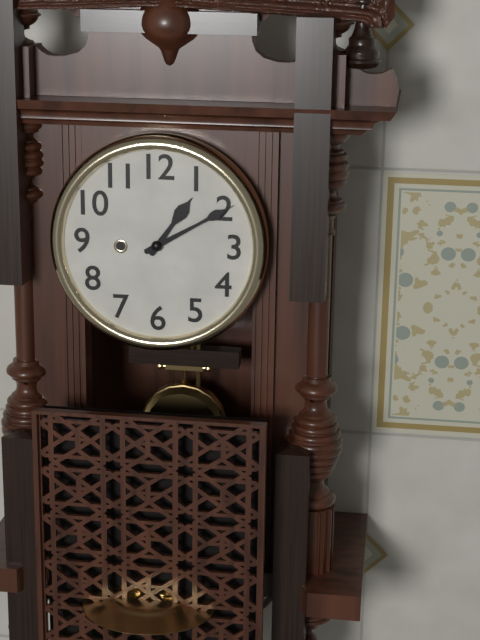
1:10
